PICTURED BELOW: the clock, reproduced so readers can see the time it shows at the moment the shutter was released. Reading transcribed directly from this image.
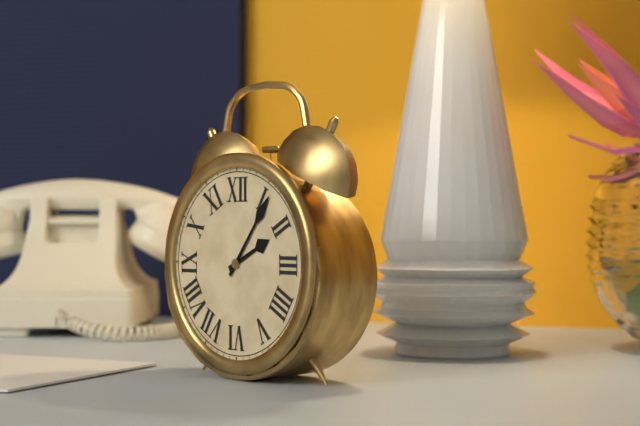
2:06
